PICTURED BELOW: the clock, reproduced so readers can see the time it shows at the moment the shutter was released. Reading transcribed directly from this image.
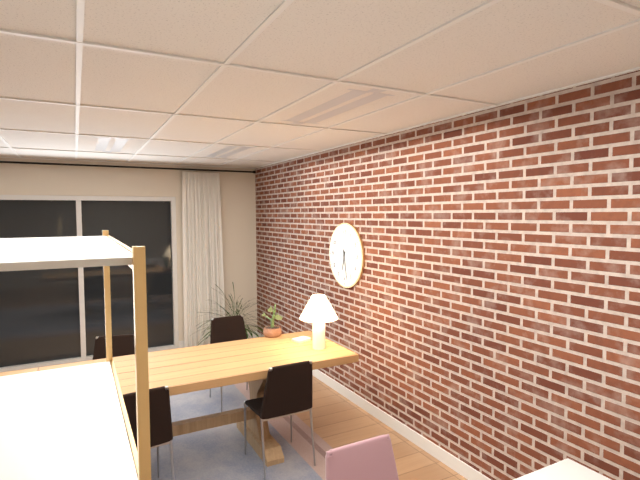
6:28
